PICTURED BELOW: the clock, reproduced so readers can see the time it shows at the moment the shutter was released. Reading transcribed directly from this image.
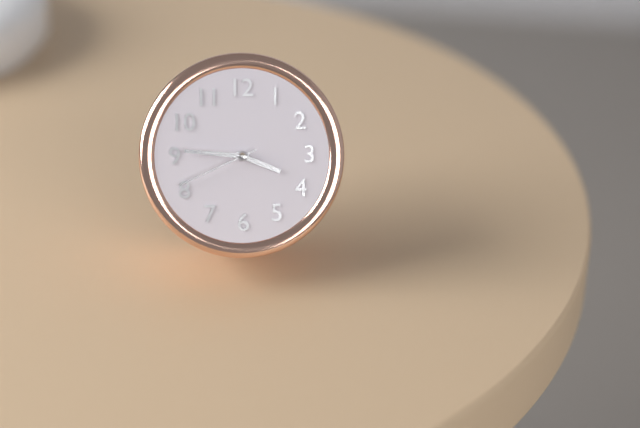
3:46:41
